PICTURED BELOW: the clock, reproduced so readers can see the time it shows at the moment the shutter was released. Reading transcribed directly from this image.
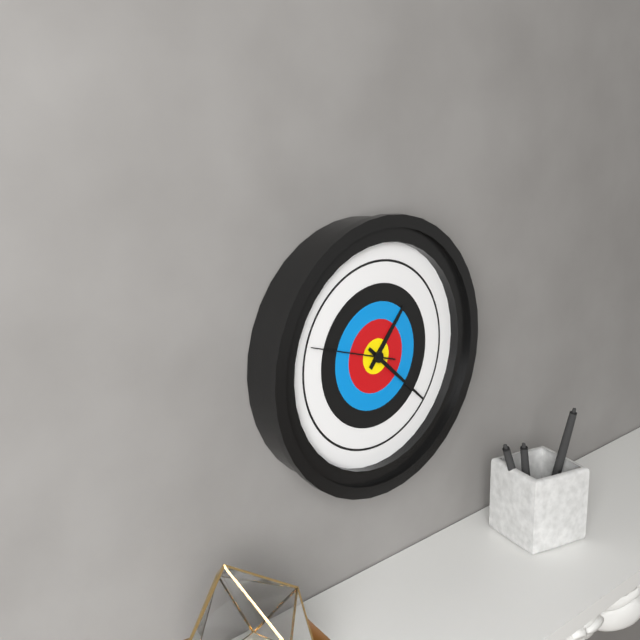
1:22:48
